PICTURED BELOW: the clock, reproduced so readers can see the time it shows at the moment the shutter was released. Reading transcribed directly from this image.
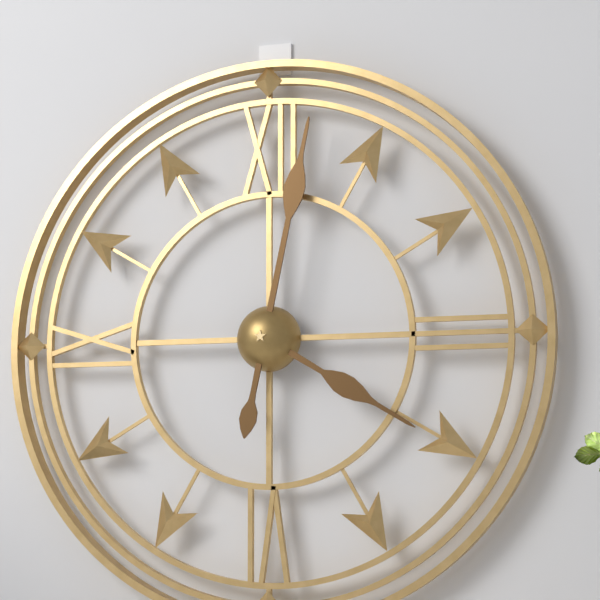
4:02
